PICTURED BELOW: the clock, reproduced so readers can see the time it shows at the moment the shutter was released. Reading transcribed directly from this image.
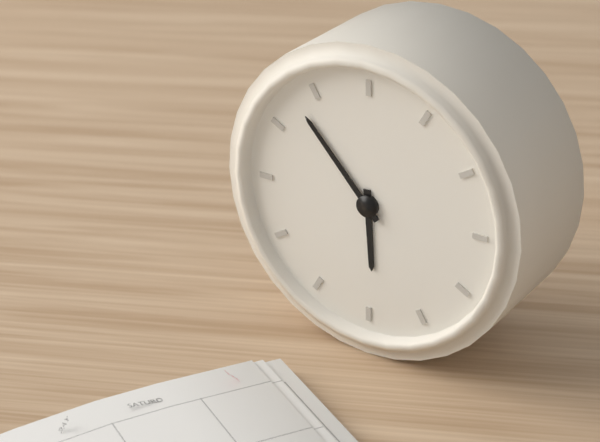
5:53
